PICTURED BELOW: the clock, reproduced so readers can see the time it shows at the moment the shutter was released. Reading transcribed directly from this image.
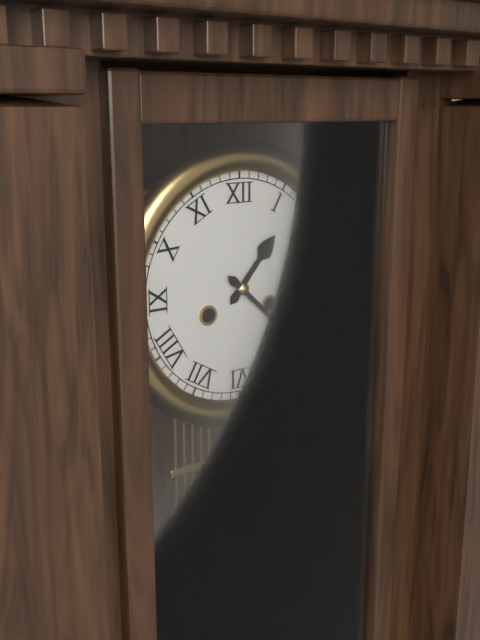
1:22
